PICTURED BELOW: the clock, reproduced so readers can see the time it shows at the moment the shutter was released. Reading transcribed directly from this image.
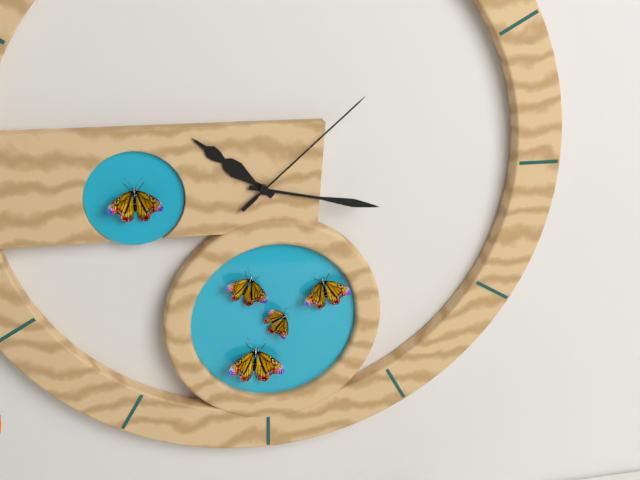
10:17:08
